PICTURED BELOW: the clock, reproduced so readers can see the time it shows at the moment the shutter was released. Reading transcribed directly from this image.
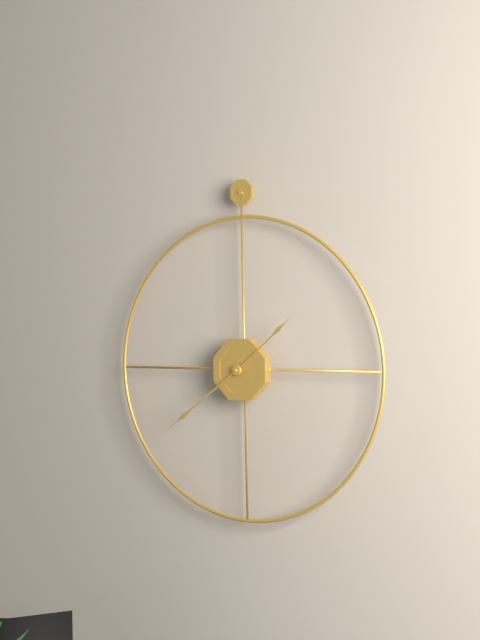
1:39
